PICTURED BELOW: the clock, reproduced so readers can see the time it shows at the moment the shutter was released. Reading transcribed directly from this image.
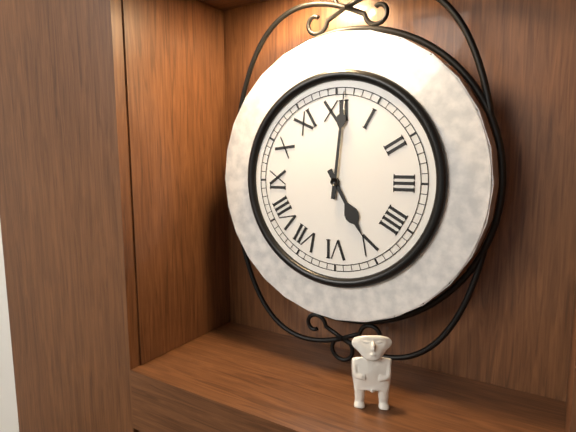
5:01
